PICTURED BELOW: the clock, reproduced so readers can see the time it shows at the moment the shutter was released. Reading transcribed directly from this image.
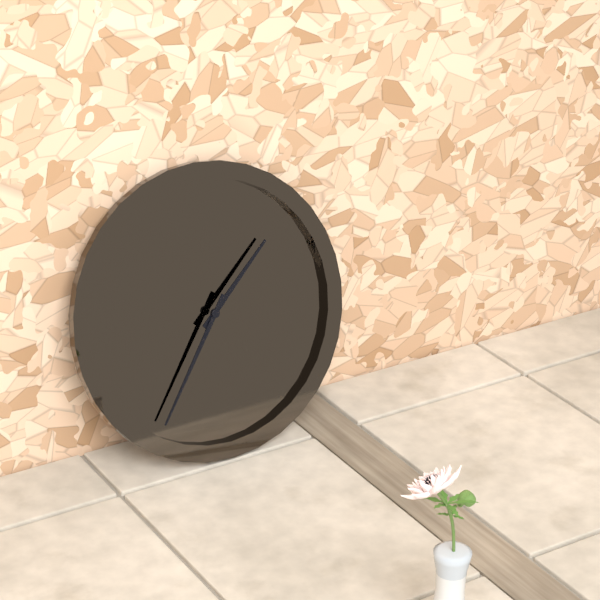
1:36
